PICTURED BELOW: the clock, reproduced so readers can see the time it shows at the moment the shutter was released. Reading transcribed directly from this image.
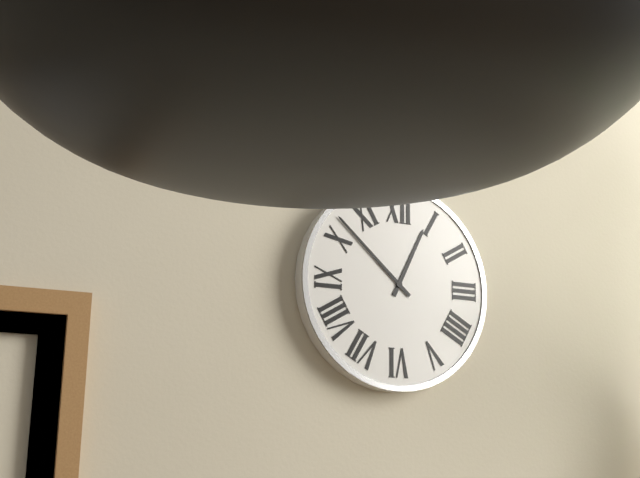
12:52
